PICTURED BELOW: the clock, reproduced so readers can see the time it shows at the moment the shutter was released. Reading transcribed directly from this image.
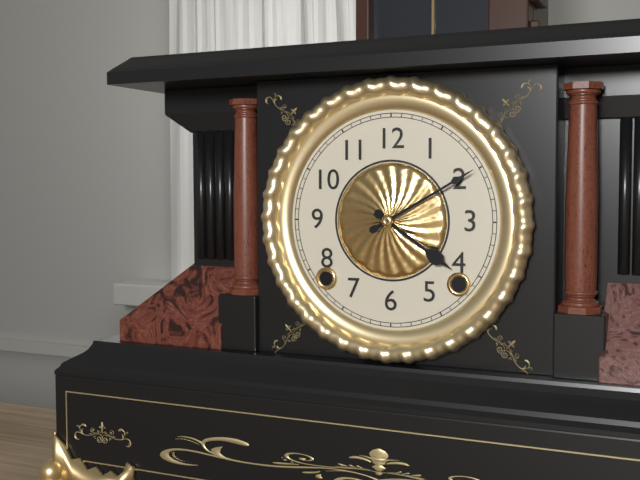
4:10
